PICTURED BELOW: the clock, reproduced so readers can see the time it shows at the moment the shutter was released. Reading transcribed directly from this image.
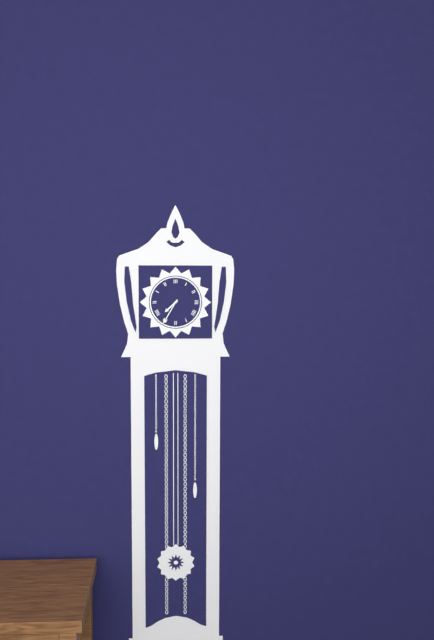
7:35
